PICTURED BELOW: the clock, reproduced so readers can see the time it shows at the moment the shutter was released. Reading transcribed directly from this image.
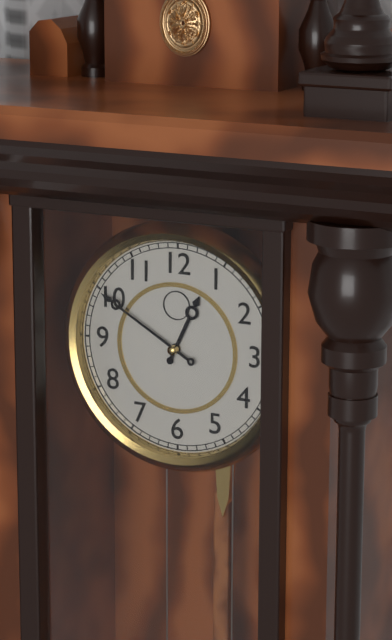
12:50
